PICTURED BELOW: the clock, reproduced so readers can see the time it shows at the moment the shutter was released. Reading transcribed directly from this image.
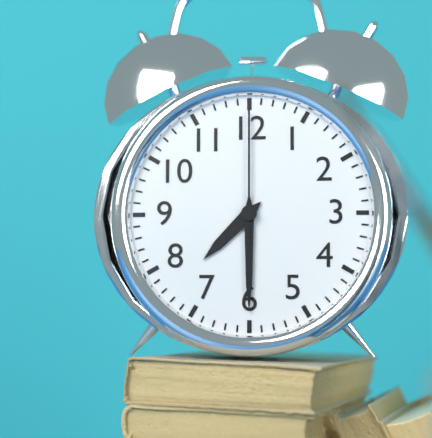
7:30:00
